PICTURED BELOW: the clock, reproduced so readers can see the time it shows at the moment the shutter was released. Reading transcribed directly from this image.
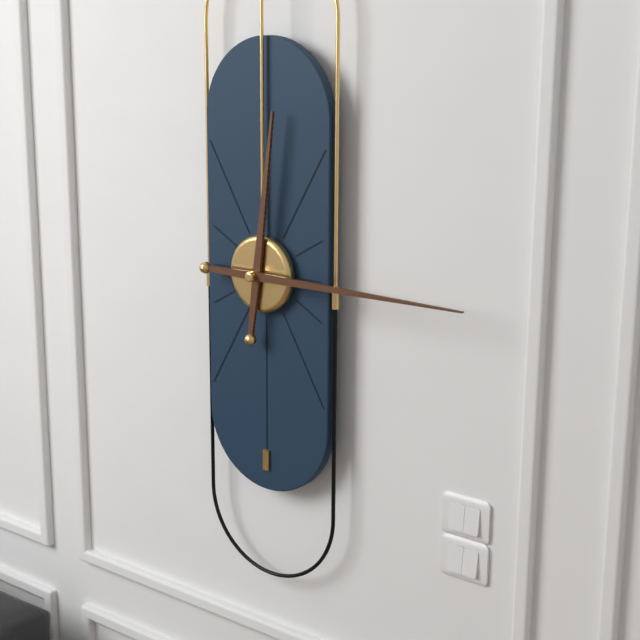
12:15
